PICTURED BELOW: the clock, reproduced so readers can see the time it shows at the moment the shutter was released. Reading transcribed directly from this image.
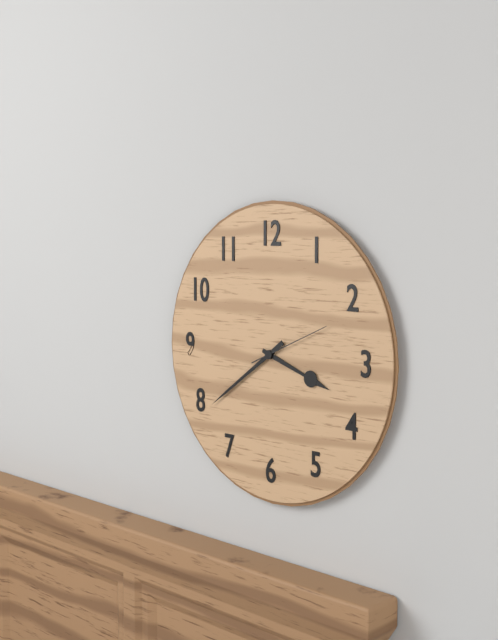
3:39:11
